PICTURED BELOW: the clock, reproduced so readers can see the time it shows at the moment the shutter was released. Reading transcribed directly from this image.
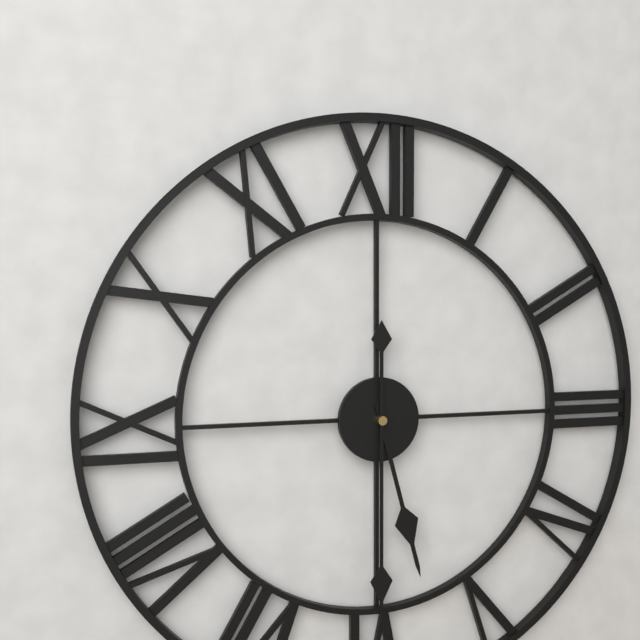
5:30
